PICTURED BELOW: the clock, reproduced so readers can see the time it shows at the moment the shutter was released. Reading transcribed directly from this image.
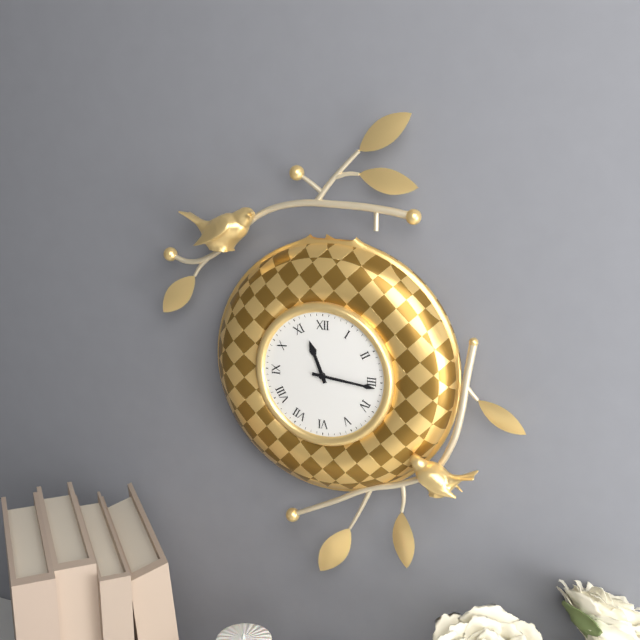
11:16
